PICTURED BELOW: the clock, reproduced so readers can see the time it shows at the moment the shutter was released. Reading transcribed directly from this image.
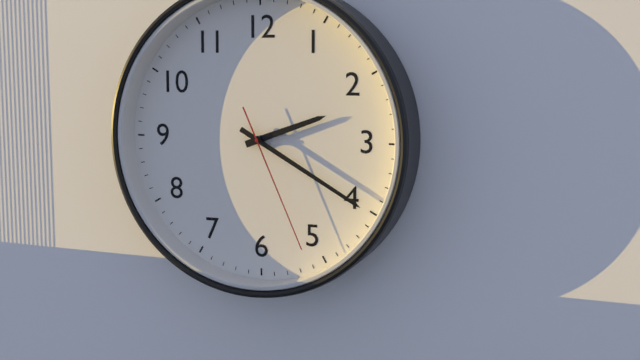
2:20:26
